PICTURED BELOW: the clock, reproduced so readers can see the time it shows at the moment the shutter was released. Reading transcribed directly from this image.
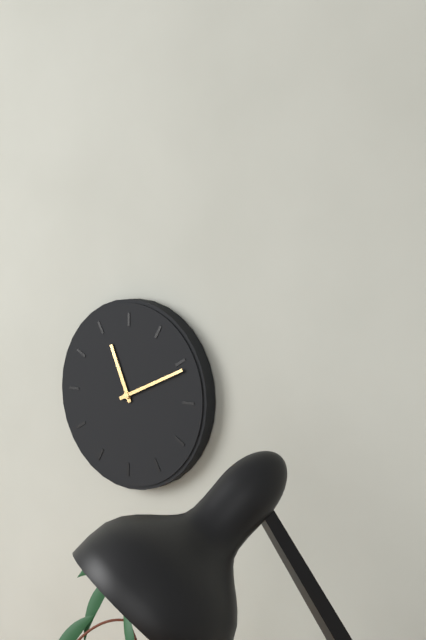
11:11
